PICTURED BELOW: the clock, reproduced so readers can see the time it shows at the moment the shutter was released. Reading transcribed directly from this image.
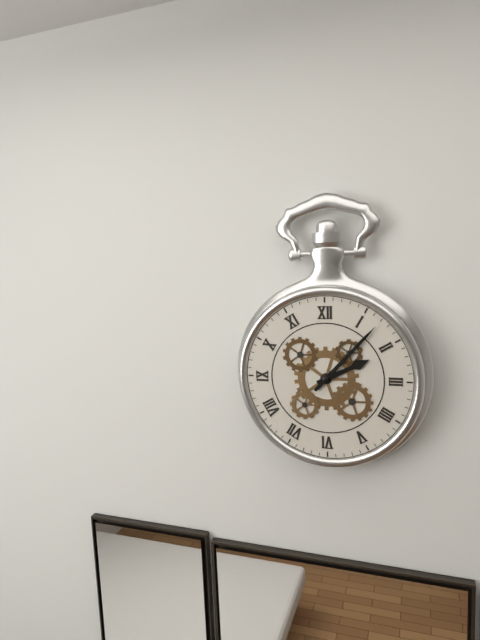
2:07
